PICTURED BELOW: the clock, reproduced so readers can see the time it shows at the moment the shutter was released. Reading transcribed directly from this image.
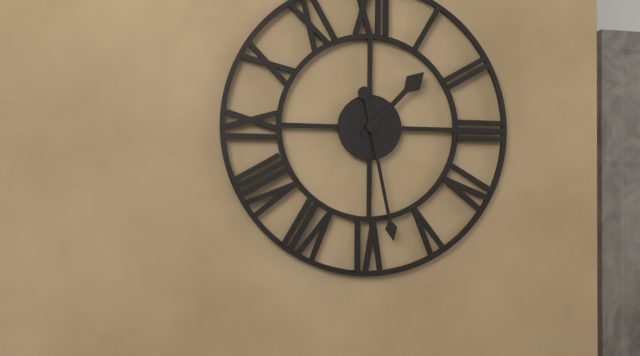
1:28
